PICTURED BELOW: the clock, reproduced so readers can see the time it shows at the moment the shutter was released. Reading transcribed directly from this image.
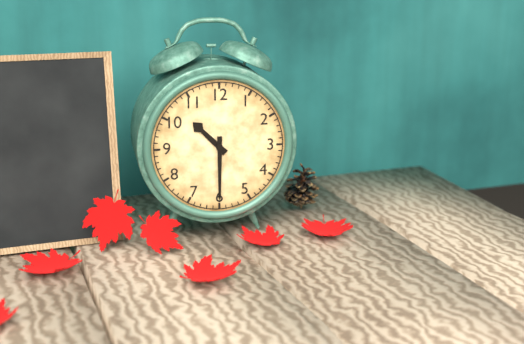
10:30
